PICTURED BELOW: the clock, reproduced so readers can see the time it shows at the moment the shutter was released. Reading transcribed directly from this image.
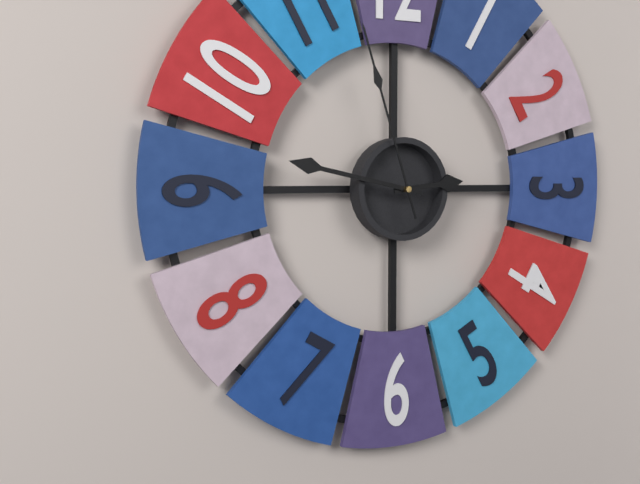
2:47:57
